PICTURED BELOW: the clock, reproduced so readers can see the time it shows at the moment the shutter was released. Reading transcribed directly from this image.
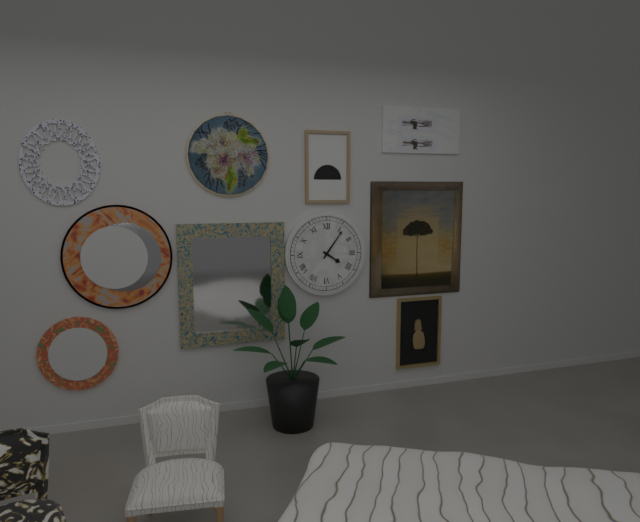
4:06
